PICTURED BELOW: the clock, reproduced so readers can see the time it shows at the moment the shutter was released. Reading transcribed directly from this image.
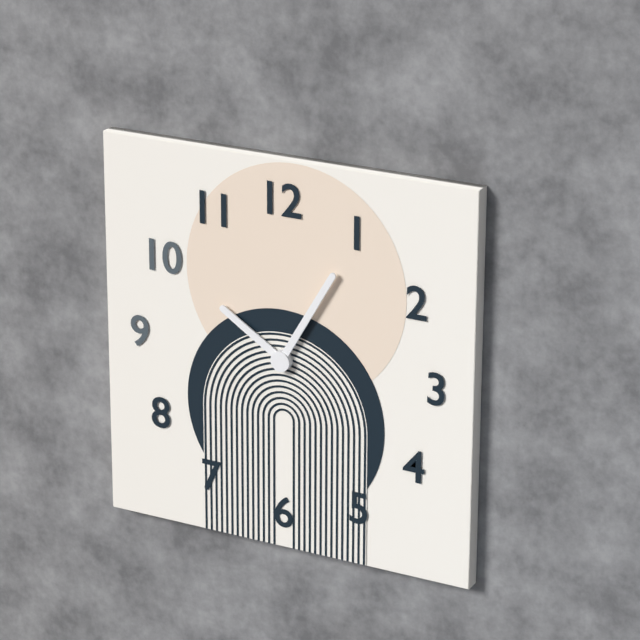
10:05
